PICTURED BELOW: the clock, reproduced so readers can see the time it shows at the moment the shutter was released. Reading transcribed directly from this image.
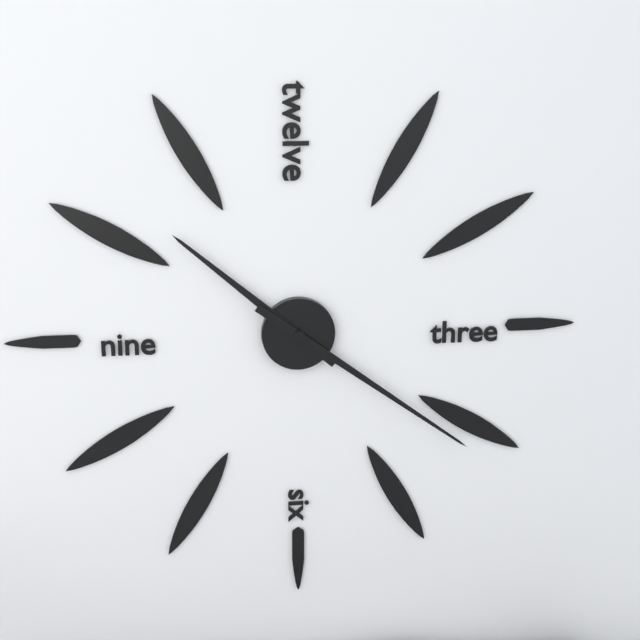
10:21
